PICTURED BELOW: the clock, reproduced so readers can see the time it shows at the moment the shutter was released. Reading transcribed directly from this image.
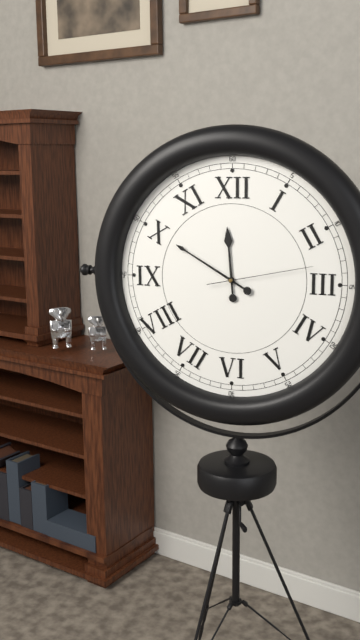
11:50:13
